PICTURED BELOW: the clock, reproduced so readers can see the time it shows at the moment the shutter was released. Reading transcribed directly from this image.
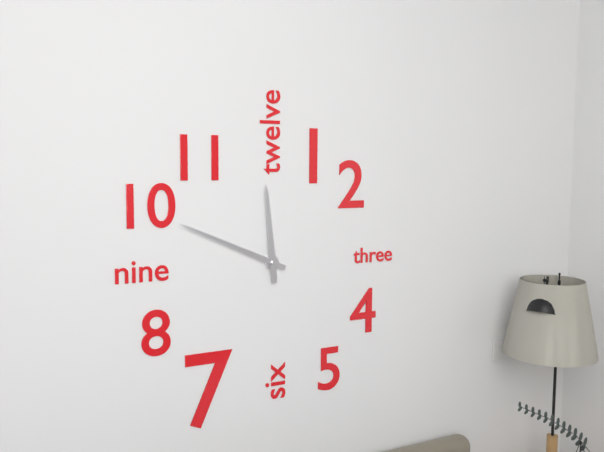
11:49
